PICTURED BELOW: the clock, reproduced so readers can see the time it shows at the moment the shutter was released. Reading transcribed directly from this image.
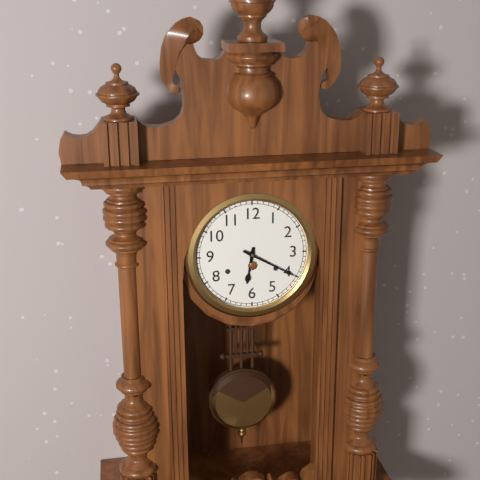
6:20
